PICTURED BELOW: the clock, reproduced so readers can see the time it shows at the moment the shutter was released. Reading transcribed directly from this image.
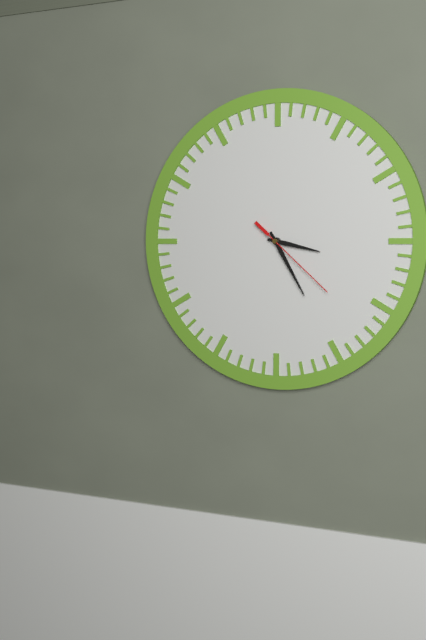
3:25:22
